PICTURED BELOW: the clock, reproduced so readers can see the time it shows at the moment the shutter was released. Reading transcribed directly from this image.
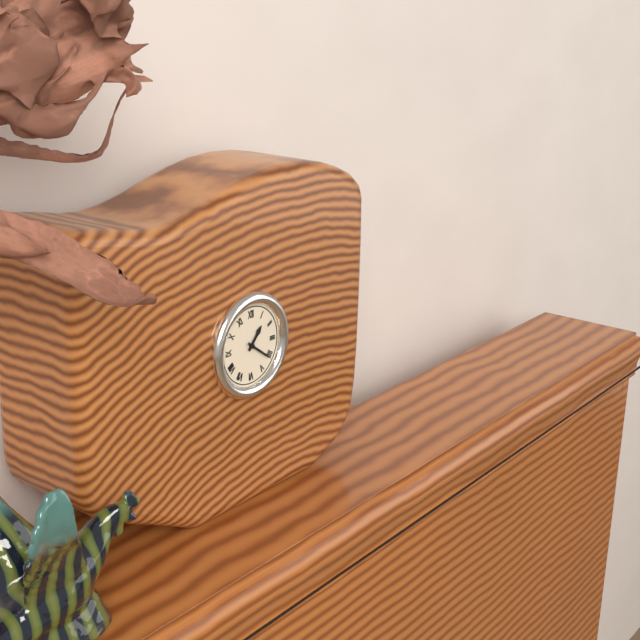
1:21
